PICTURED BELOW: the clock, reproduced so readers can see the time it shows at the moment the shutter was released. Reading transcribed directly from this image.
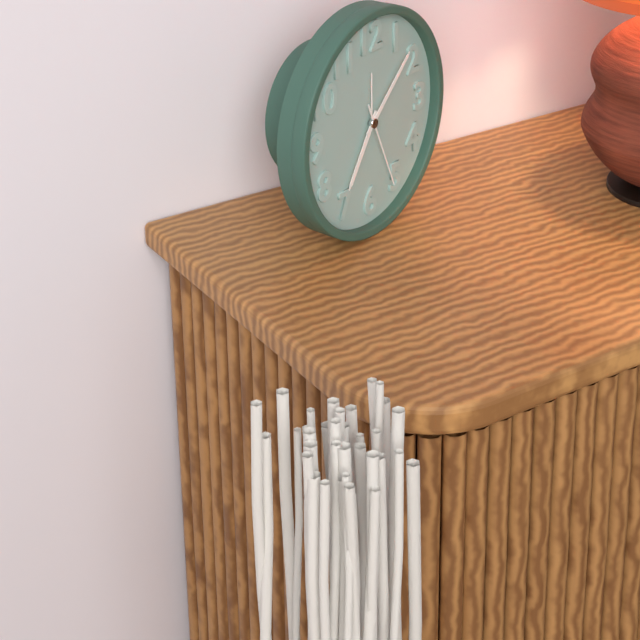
7:08:26
